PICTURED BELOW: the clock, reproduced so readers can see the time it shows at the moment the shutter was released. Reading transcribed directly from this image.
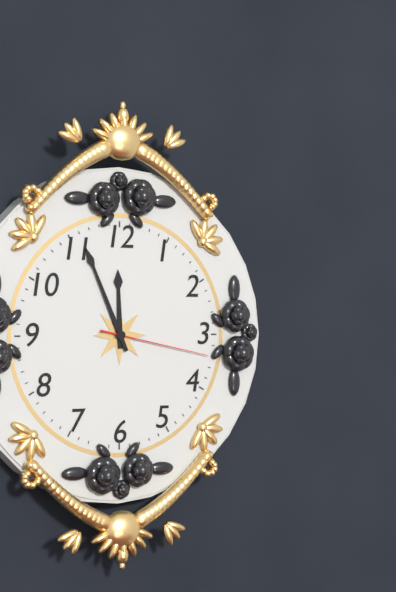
11:56:17
